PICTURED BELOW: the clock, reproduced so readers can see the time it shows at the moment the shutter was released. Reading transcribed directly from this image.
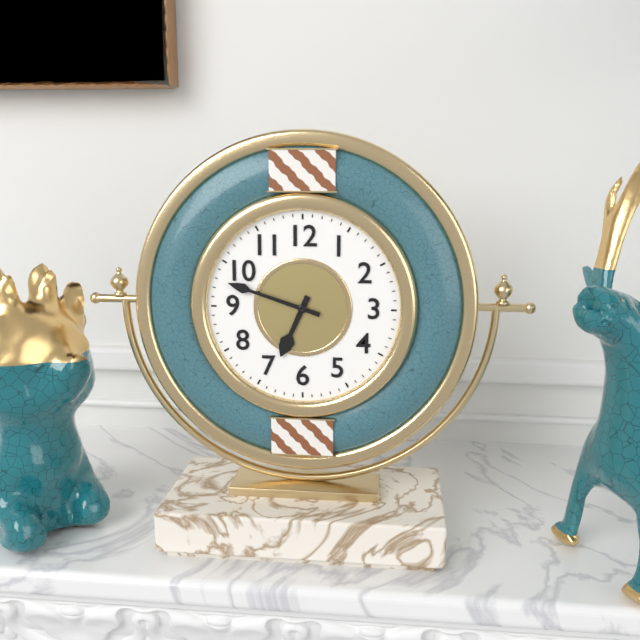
6:48
